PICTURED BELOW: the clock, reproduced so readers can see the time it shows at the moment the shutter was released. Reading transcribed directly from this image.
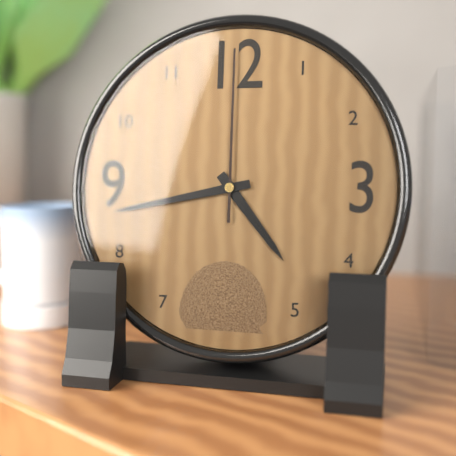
4:43:00
